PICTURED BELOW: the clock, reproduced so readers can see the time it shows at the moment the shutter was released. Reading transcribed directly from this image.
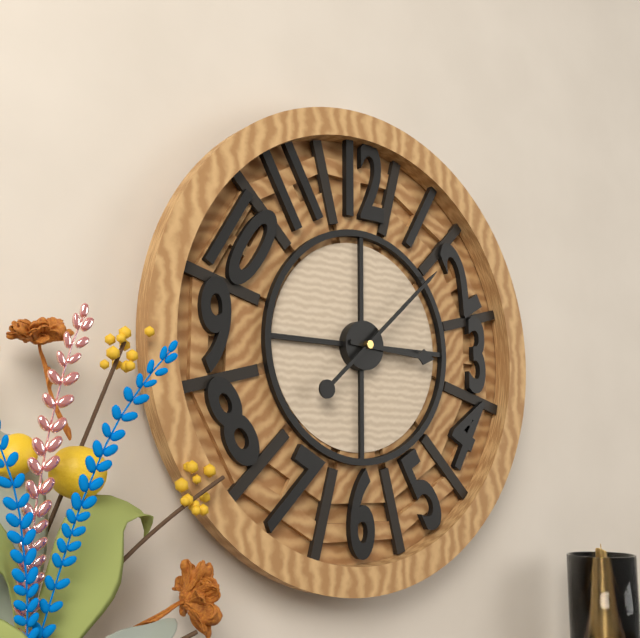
3:08
